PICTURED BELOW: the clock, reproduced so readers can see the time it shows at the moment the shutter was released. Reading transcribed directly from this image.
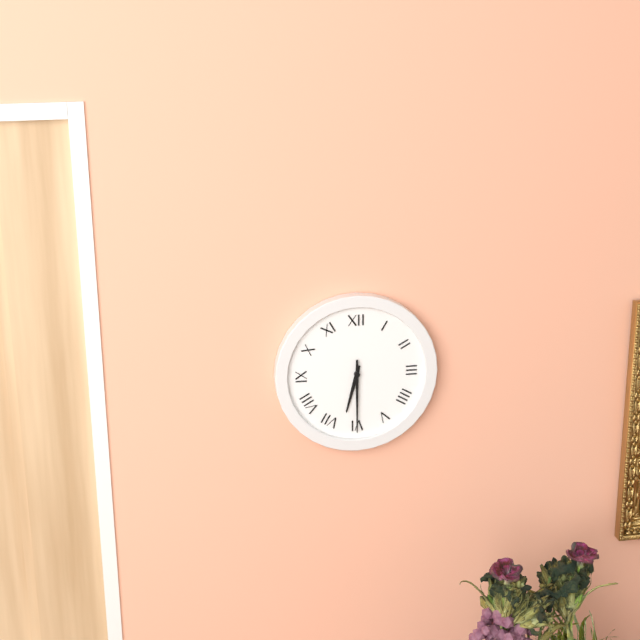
6:30
